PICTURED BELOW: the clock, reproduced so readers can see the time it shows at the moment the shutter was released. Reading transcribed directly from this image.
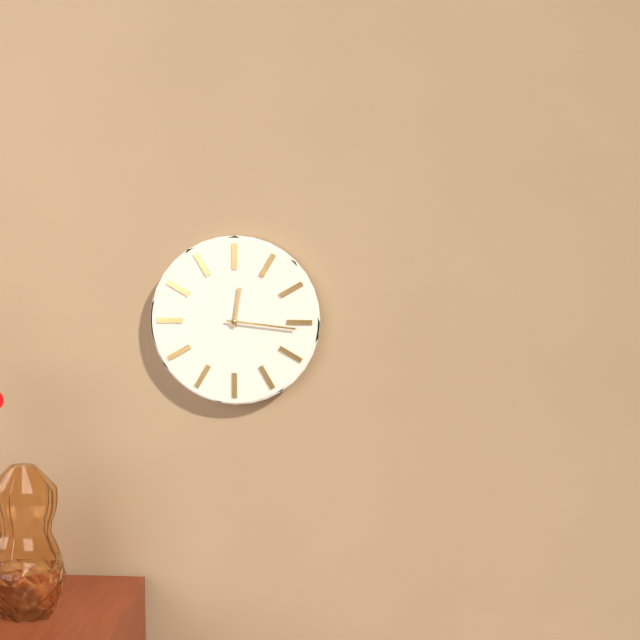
12:16
